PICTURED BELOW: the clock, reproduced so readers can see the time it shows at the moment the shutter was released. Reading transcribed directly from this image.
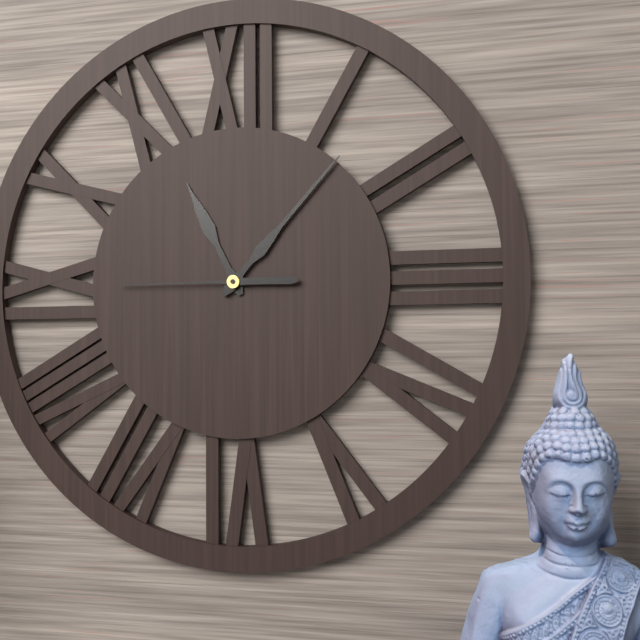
11:07:45
